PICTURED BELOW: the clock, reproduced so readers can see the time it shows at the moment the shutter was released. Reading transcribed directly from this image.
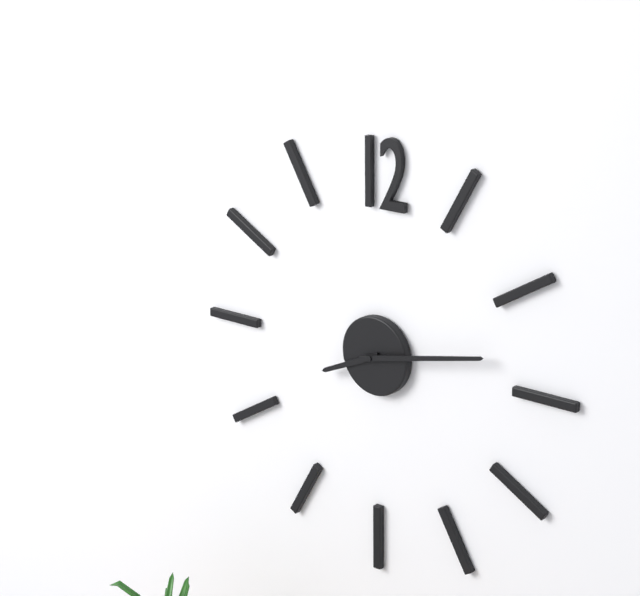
8:13
